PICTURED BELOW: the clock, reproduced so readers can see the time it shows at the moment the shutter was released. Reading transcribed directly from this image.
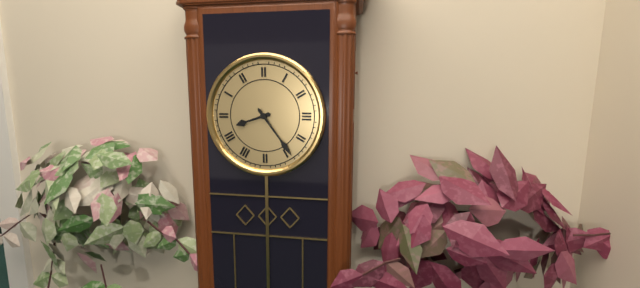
8:24
